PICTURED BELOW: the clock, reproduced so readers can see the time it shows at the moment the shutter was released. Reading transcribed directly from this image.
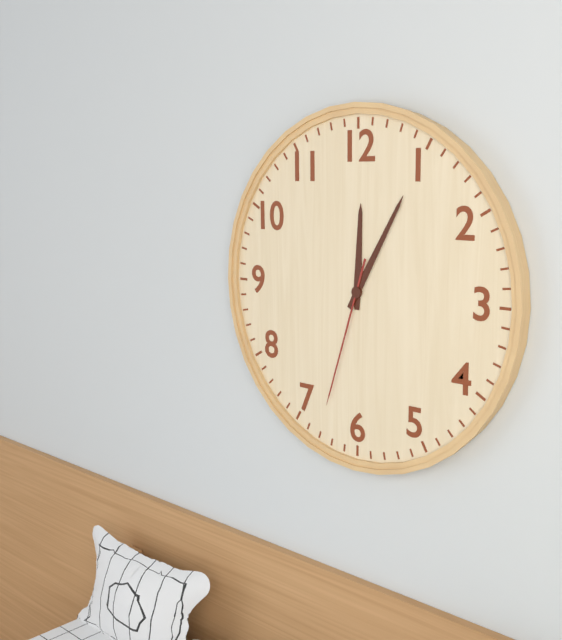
12:05:33
